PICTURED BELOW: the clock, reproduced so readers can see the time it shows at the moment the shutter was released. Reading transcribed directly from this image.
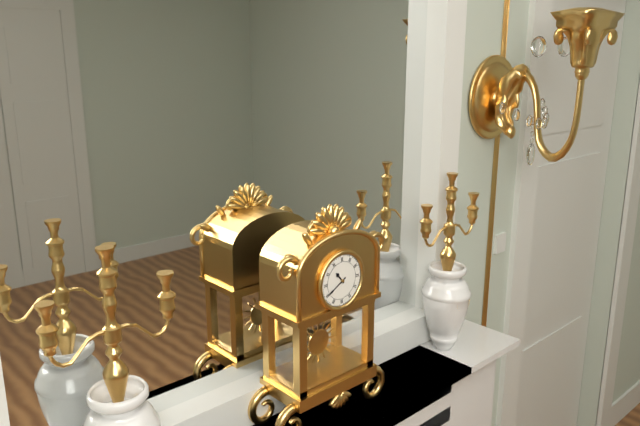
10:40
